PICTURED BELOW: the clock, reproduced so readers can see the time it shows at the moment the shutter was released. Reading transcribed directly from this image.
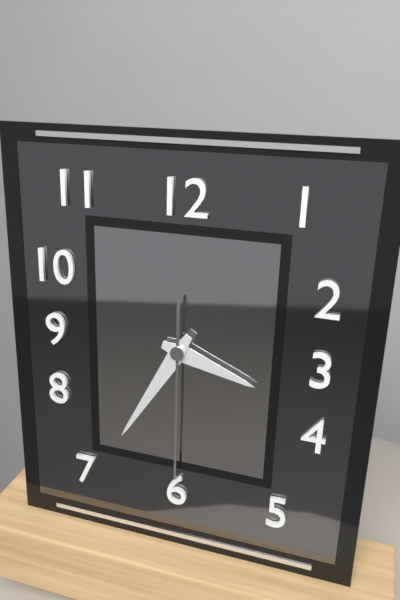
3:35:30
